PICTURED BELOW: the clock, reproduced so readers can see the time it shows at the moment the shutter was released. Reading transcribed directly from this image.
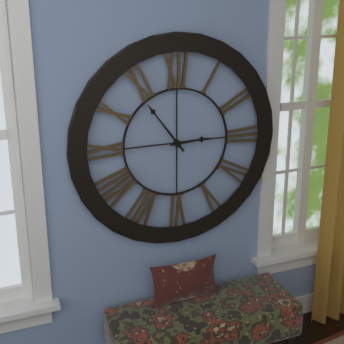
2:54
